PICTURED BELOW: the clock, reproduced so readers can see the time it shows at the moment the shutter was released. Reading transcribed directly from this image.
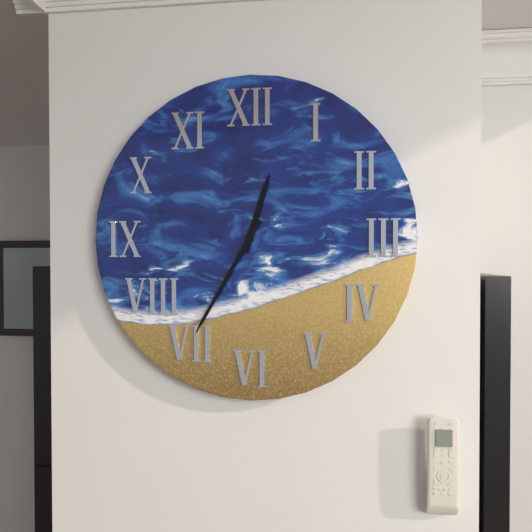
12:35
